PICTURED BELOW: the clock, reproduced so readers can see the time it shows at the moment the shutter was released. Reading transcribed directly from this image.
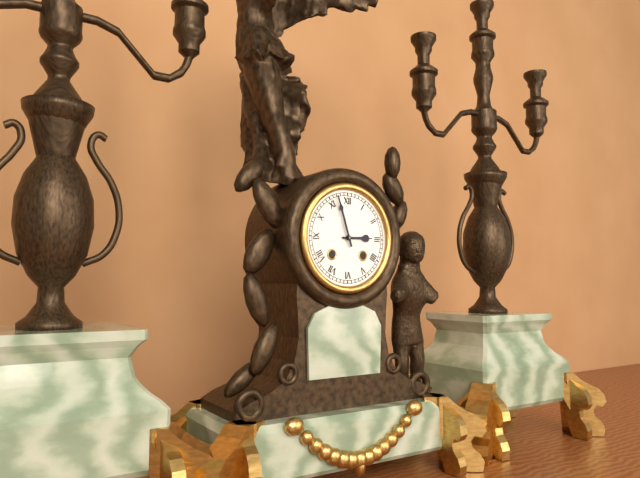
2:57
